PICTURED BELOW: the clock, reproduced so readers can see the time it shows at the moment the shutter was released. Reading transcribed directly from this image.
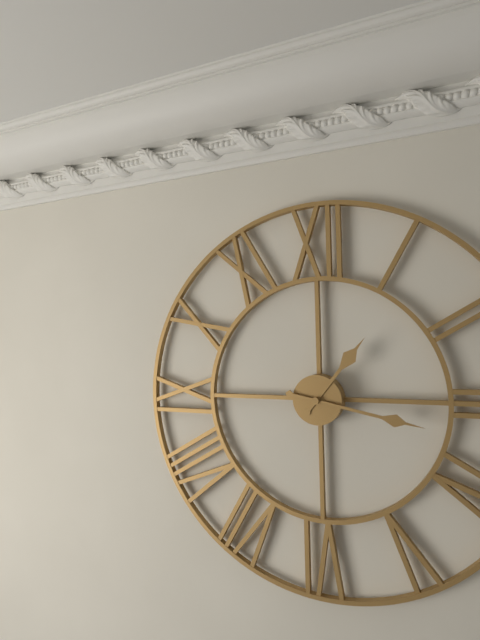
1:17
